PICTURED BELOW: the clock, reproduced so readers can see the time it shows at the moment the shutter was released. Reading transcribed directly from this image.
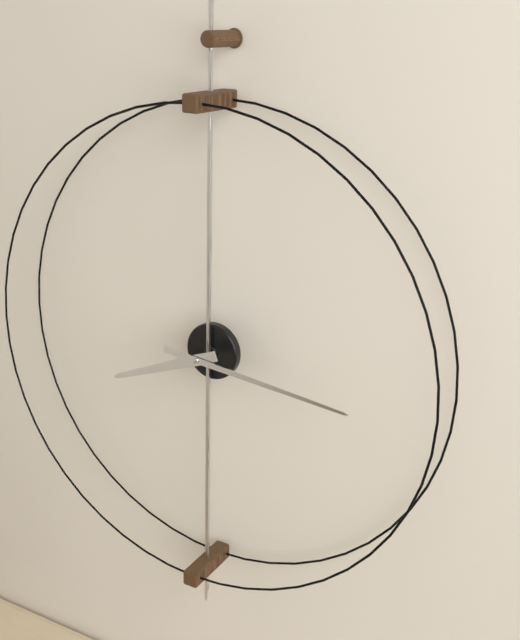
8:16
